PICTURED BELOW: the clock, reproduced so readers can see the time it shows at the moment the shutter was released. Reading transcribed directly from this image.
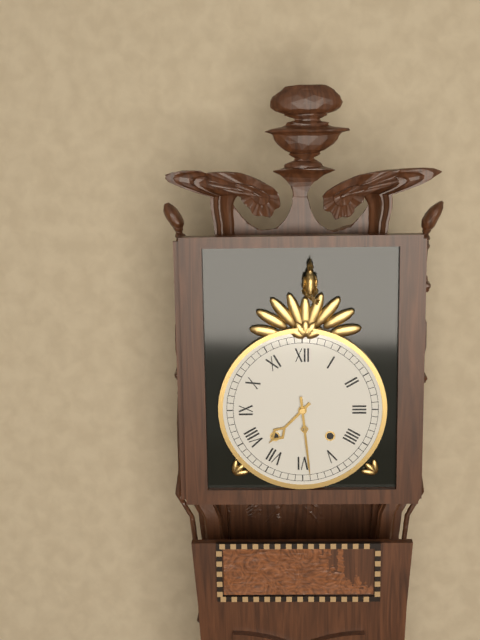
7:29
